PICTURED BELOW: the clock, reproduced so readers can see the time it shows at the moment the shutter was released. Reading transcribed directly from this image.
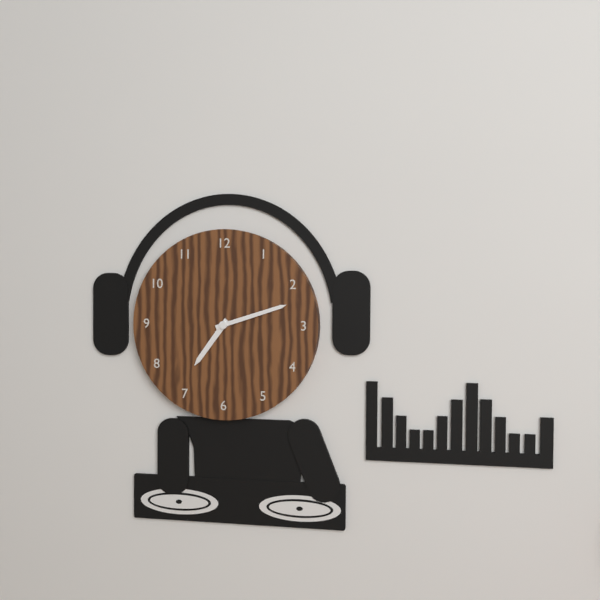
7:12
